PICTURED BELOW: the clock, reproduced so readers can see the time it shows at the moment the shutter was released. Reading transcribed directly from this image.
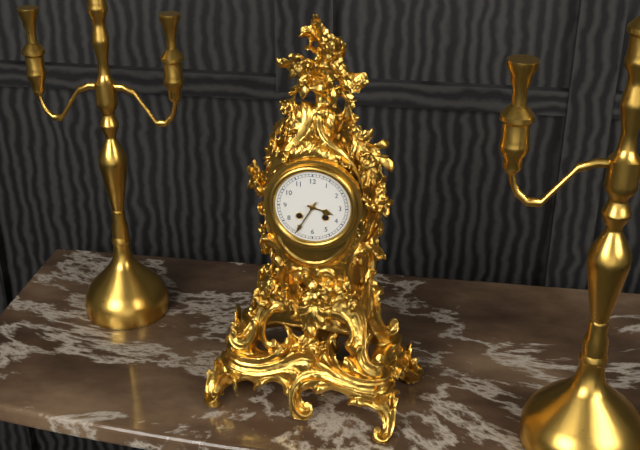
3:35
